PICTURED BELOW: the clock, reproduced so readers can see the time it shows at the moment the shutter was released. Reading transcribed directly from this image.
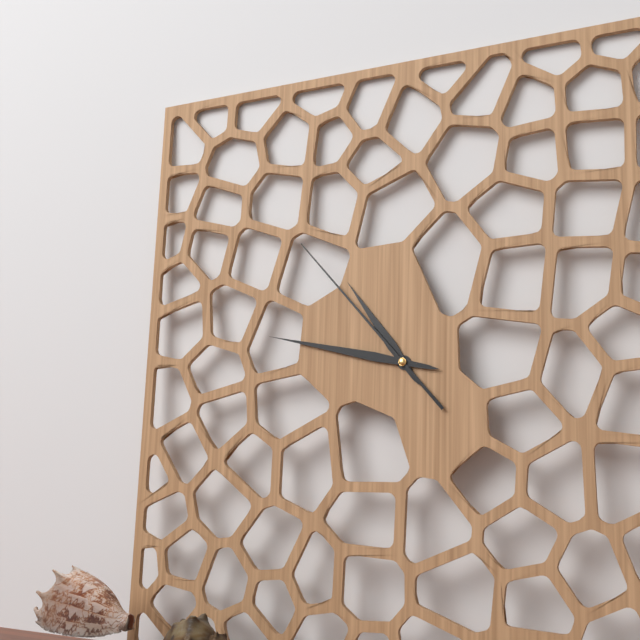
10:47:53
